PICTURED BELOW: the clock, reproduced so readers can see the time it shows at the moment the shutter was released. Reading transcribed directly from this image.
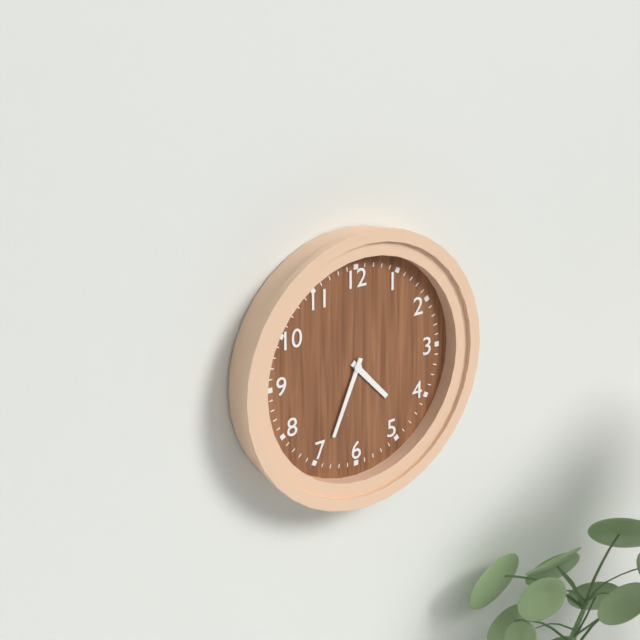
4:34
